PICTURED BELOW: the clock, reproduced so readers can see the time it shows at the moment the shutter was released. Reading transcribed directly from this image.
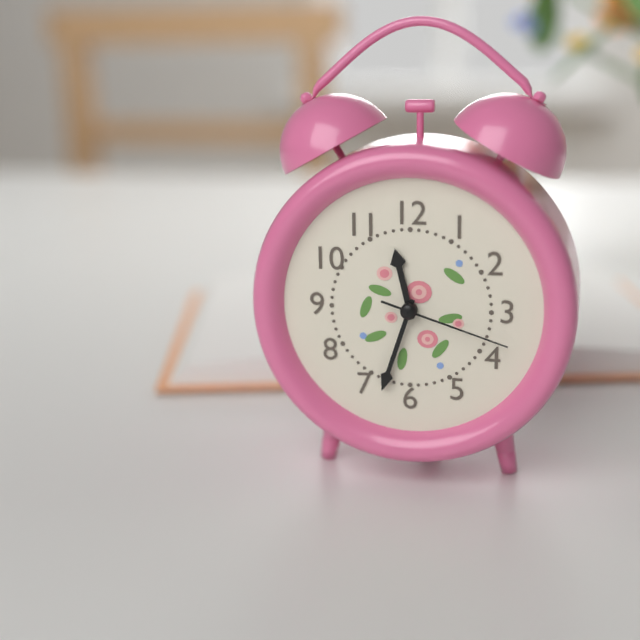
11:33:18
